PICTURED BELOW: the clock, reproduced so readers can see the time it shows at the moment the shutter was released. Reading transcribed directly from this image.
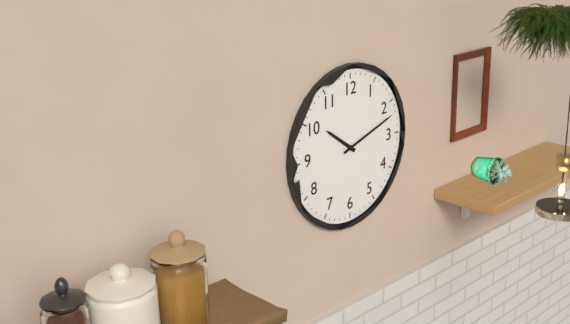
10:12
